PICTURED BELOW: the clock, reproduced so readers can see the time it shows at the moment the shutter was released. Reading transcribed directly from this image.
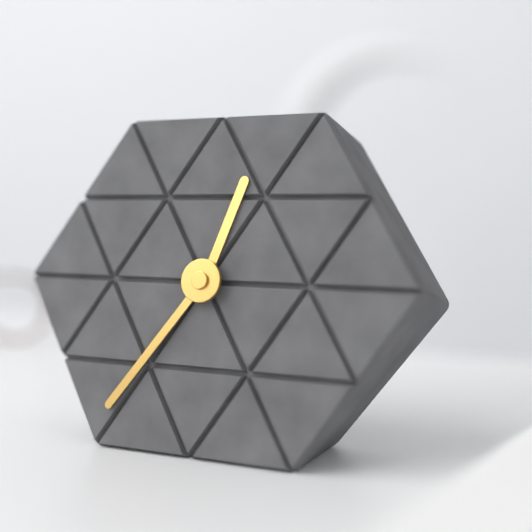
12:36
